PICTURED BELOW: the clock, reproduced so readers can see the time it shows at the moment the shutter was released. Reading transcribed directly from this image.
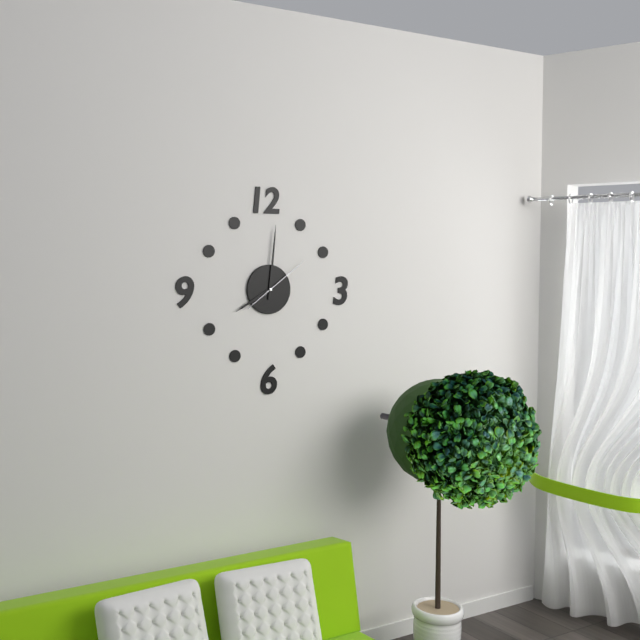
8:01:09
